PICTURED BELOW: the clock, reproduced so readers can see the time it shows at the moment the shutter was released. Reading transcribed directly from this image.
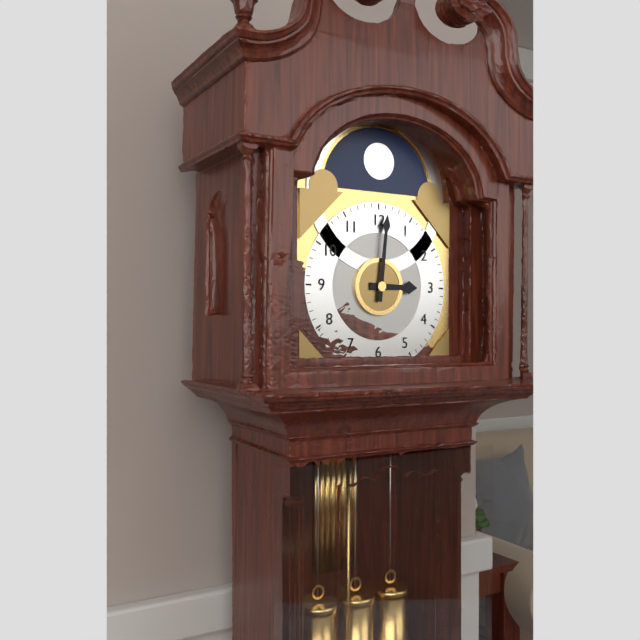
3:01
